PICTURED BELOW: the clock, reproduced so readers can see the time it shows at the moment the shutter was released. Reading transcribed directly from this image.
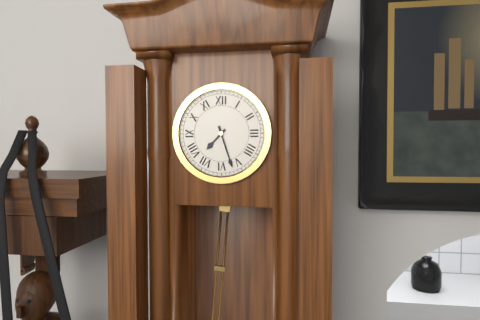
7:27
